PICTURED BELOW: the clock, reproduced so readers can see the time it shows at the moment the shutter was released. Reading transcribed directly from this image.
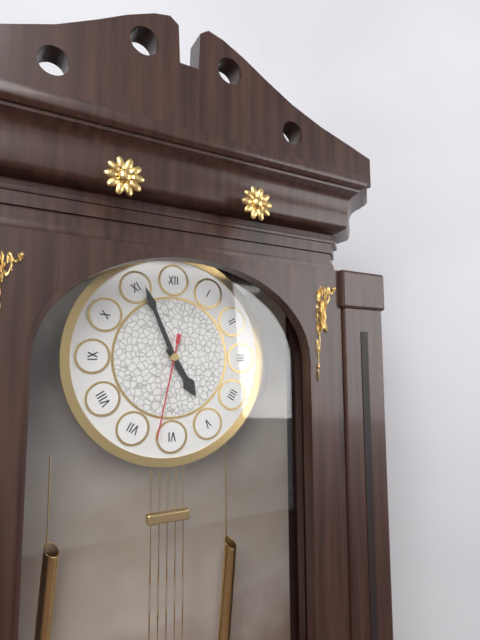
4:56:32
